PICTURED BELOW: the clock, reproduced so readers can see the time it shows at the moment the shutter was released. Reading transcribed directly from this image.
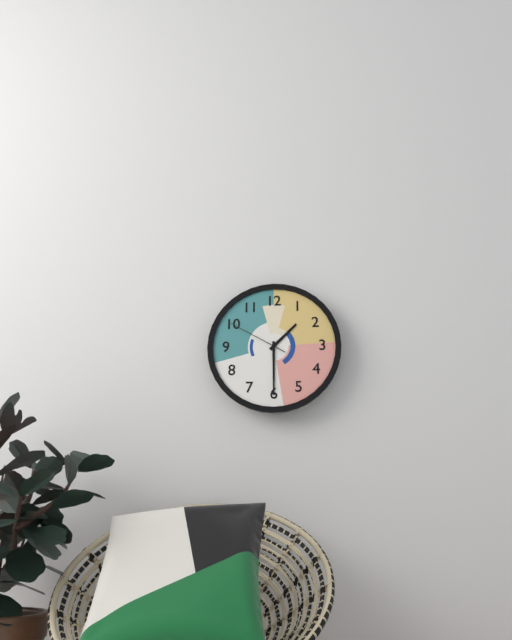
1:30:50
